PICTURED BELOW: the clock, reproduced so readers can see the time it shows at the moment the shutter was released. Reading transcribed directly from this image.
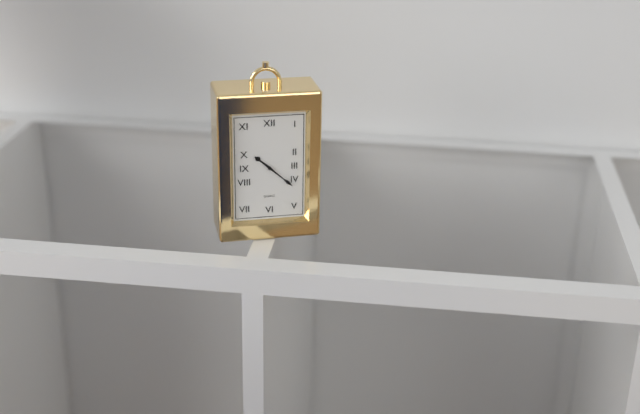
10:22
